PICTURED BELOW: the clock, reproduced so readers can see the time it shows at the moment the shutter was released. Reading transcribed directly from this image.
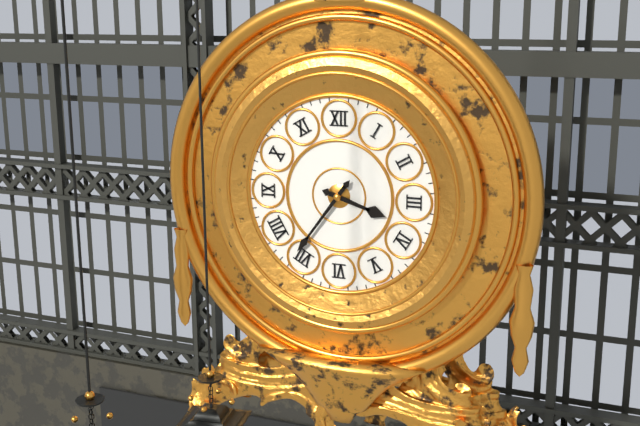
3:36
